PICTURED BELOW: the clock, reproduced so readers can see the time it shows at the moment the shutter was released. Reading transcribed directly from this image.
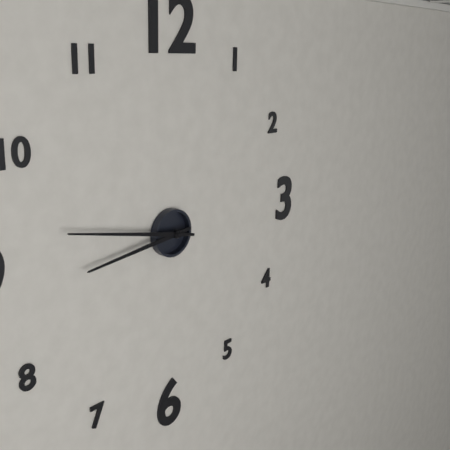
8:47
